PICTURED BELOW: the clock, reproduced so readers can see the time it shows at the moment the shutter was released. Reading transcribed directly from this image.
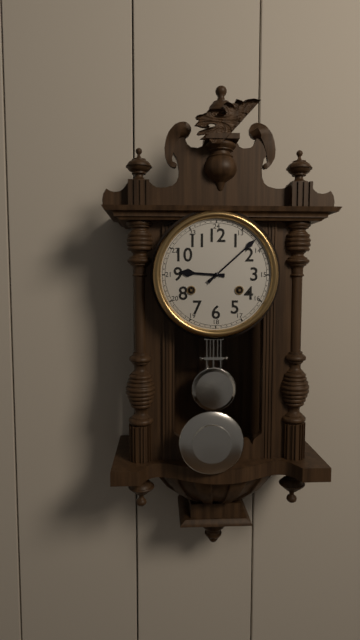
9:08
